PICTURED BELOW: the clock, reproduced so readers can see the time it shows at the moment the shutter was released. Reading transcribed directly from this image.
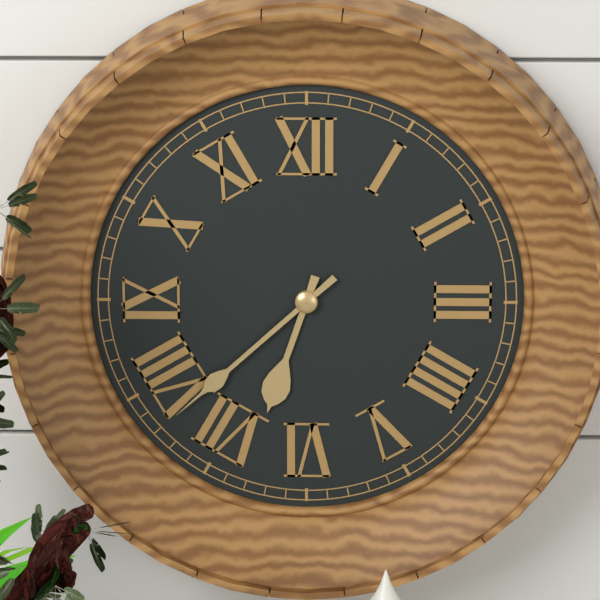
6:38
